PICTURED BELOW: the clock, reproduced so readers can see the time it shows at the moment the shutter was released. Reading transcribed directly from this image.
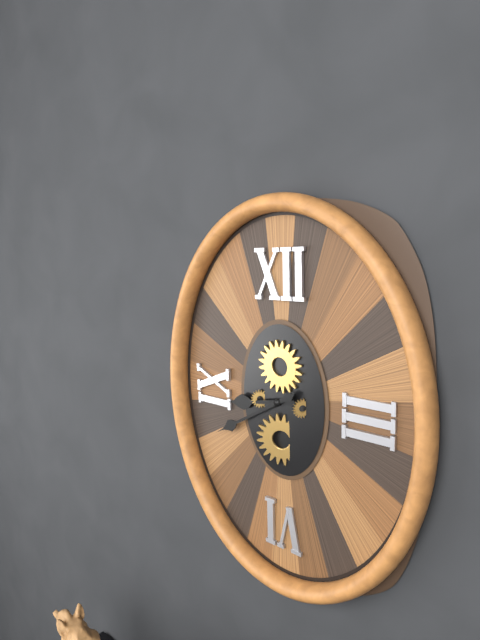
8:40
